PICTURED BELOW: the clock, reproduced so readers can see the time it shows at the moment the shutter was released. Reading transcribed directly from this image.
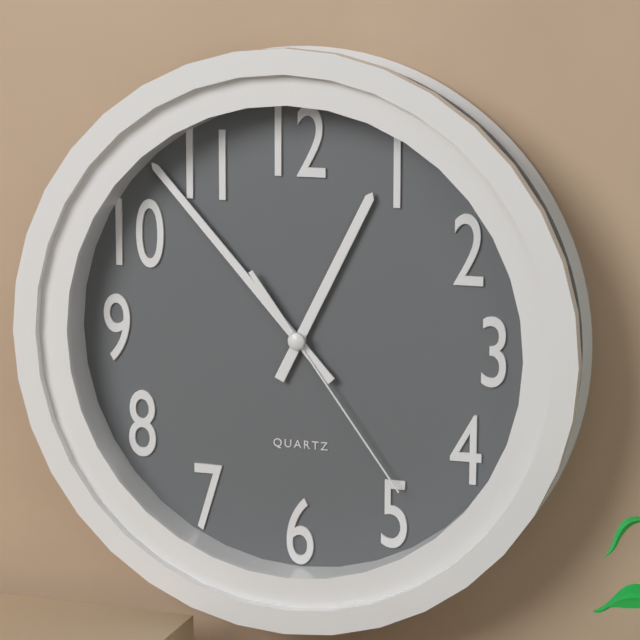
12:53:24
